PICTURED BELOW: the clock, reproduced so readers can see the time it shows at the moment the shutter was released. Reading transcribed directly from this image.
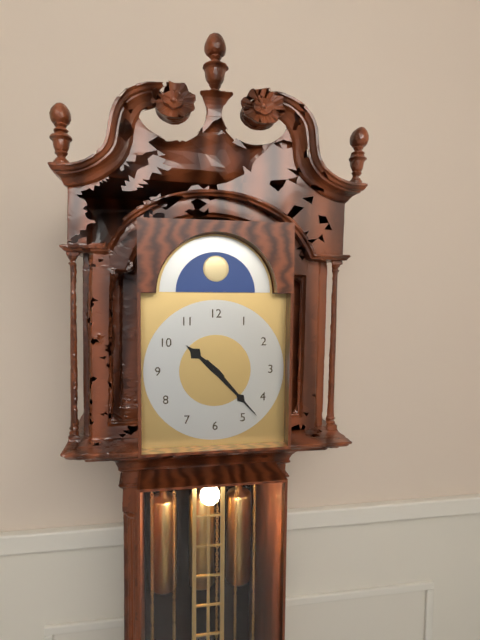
10:23
